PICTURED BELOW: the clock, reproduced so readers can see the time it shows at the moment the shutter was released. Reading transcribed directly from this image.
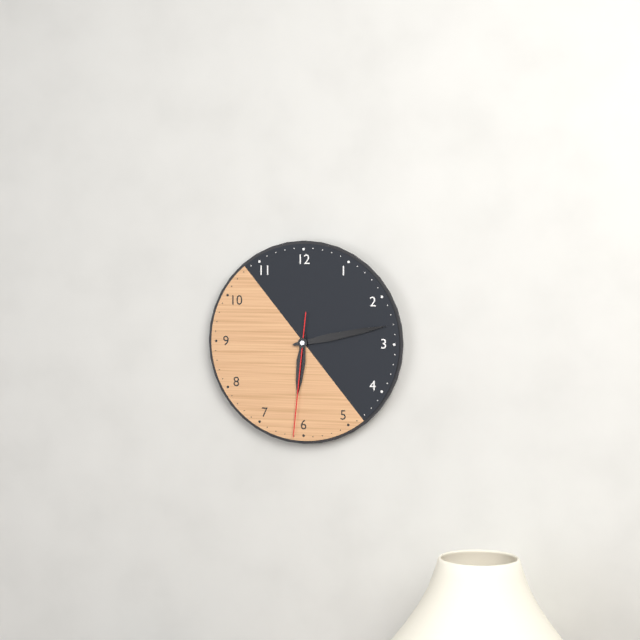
6:13:31
